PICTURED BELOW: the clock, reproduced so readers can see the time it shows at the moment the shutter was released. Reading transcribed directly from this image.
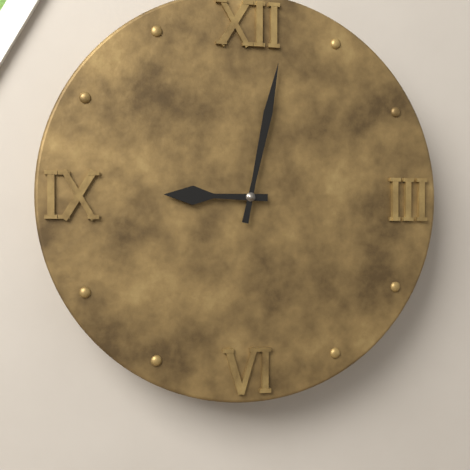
9:02
